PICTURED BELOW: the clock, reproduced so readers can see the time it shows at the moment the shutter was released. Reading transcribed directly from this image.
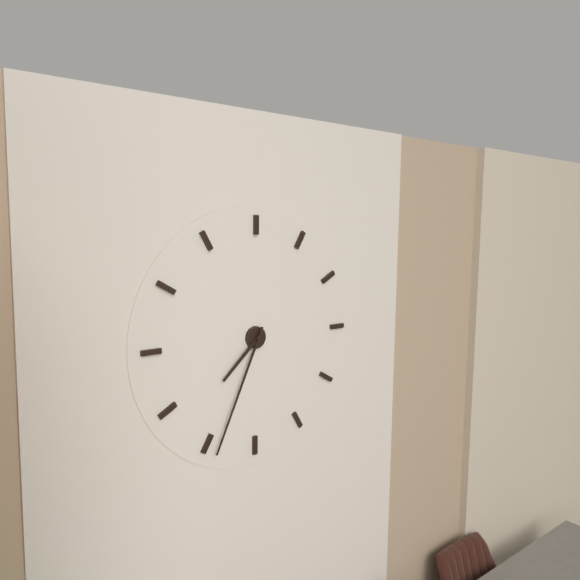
7:34
